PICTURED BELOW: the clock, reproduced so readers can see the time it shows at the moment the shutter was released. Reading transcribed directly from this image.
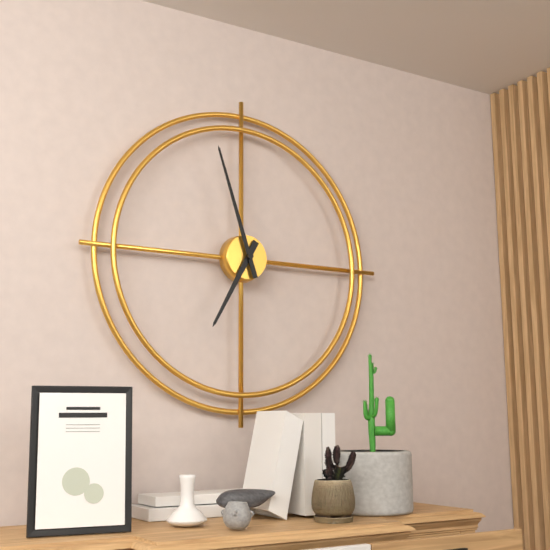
6:57
